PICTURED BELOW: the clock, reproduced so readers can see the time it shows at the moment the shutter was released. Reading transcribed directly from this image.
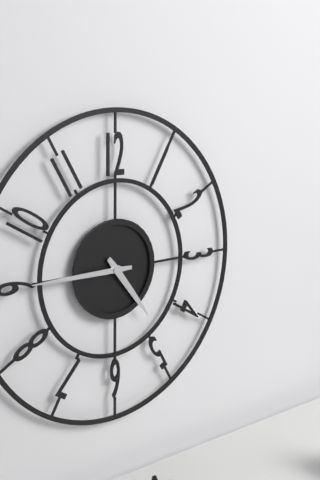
4:45
